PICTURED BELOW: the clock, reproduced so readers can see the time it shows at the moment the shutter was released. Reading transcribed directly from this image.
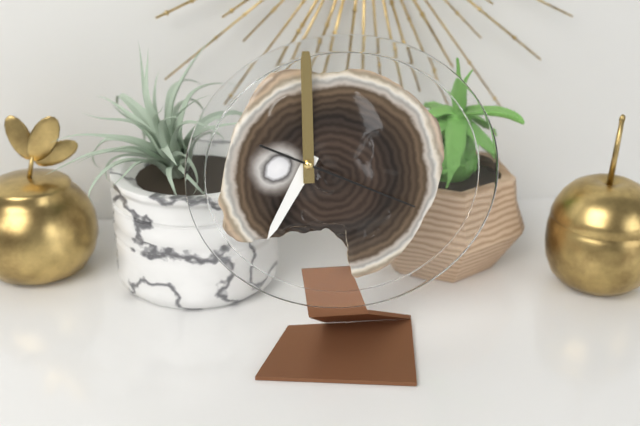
7:00:19
